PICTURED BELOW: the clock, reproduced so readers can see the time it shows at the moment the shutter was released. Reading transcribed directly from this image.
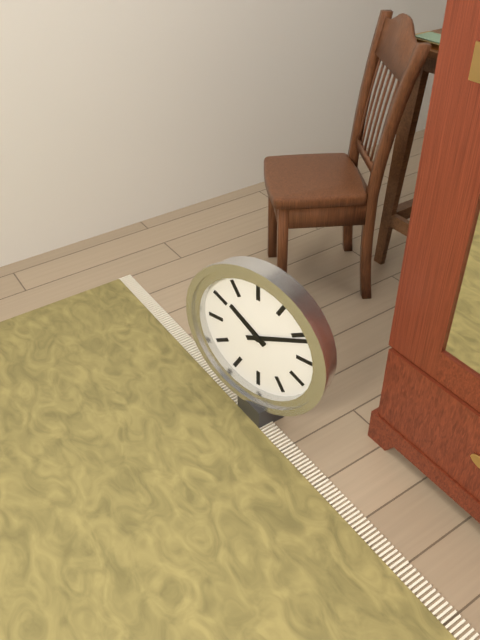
10:11
